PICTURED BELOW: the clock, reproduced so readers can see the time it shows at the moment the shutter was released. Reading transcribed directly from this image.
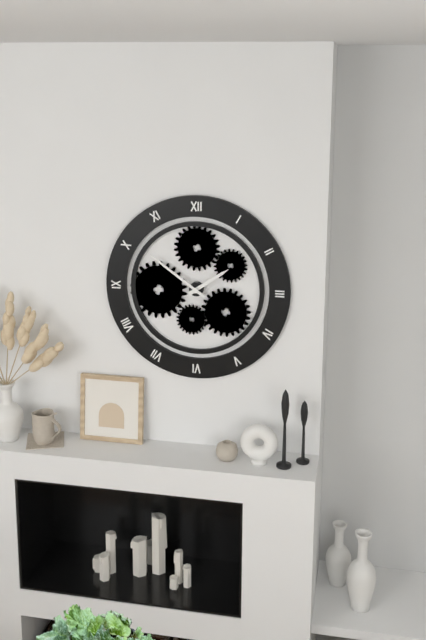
1:51
